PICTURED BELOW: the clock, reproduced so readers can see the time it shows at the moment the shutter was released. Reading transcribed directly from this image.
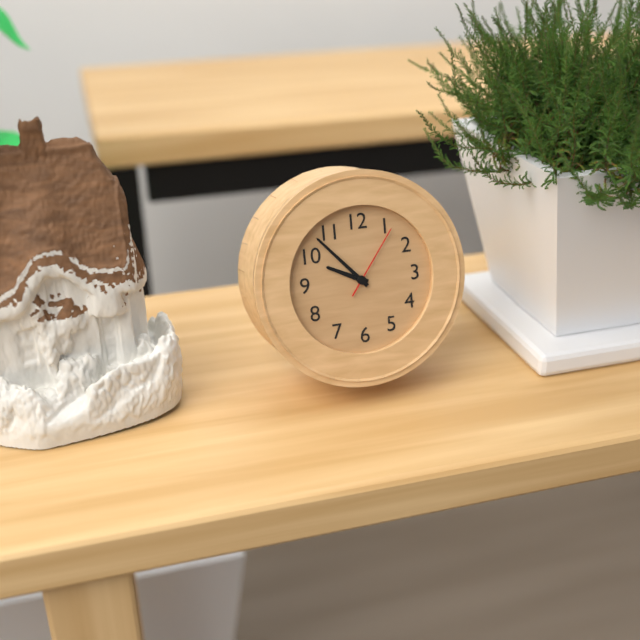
9:53:06
